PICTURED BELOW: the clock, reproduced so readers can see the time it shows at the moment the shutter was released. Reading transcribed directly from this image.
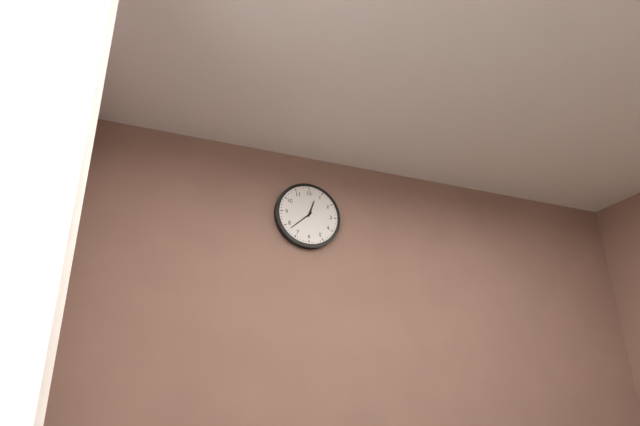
12:38
